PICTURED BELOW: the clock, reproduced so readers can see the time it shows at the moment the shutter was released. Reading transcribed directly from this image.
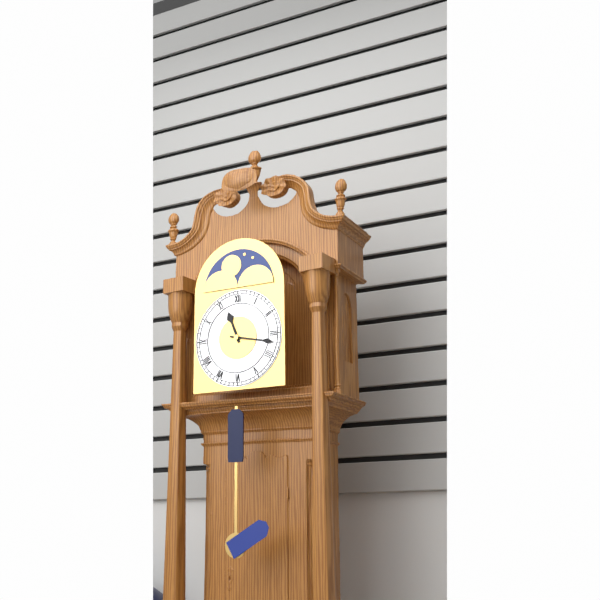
11:17
